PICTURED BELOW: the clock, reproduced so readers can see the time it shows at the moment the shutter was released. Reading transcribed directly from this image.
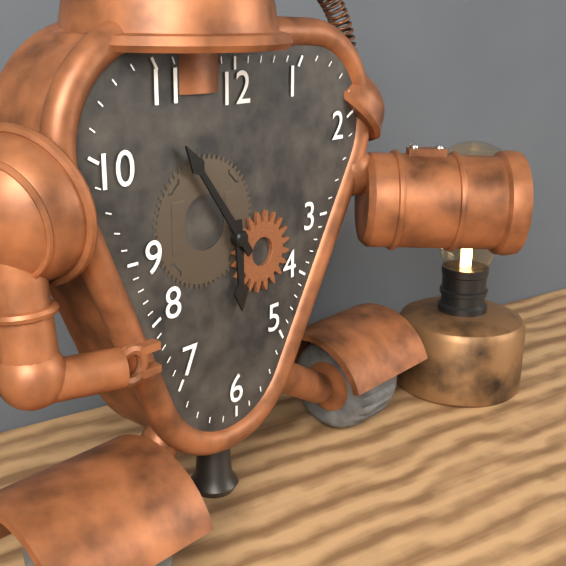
5:54
